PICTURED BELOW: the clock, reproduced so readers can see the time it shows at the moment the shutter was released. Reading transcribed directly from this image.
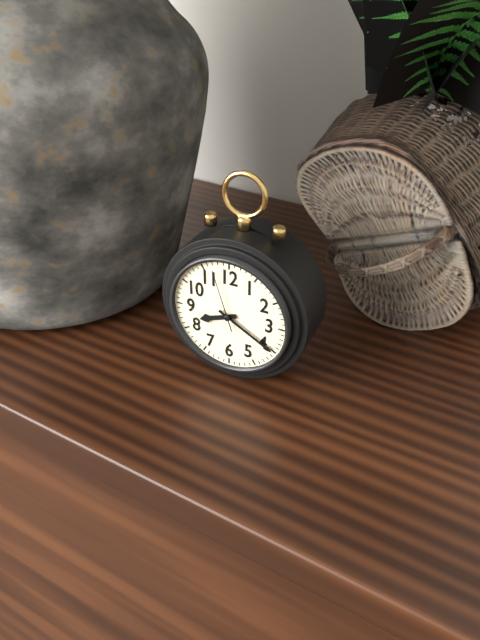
8:20:57
